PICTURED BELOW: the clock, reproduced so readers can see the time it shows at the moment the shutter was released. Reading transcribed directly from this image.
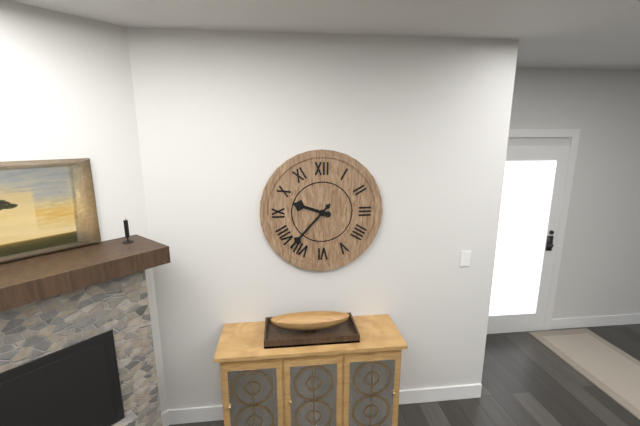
9:37
